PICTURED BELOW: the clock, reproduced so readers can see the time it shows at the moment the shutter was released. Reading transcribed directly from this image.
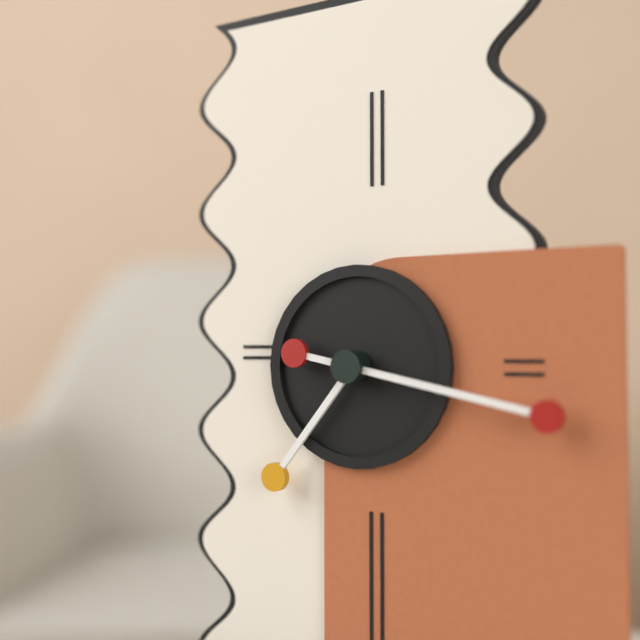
7:17
